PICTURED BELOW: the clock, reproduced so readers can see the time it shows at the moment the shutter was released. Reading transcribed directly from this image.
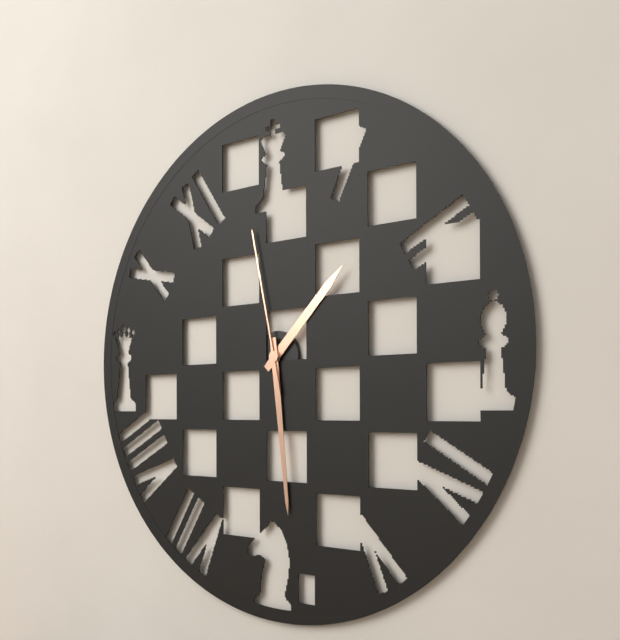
1:29:58
